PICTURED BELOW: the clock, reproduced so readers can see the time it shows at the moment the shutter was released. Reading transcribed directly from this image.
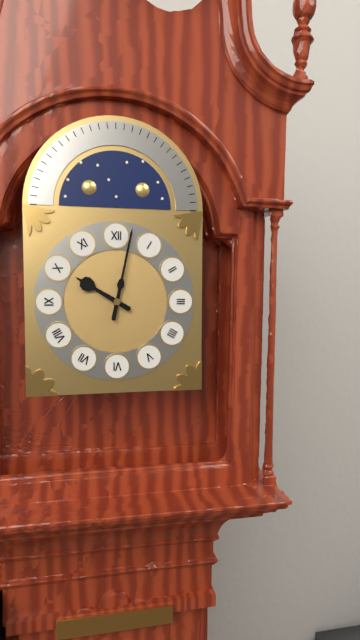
10:02
